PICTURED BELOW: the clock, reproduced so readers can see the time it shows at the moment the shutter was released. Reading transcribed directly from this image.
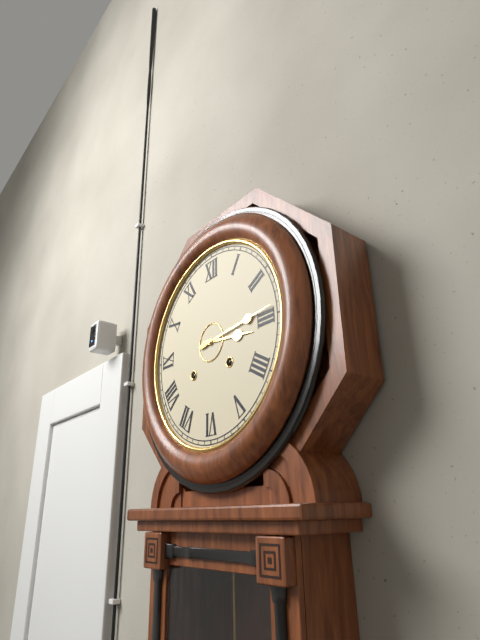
3:14
